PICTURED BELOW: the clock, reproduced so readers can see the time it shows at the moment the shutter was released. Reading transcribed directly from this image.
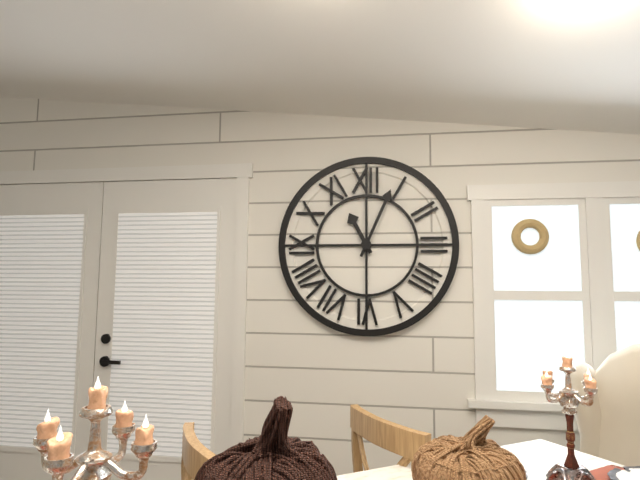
11:04
